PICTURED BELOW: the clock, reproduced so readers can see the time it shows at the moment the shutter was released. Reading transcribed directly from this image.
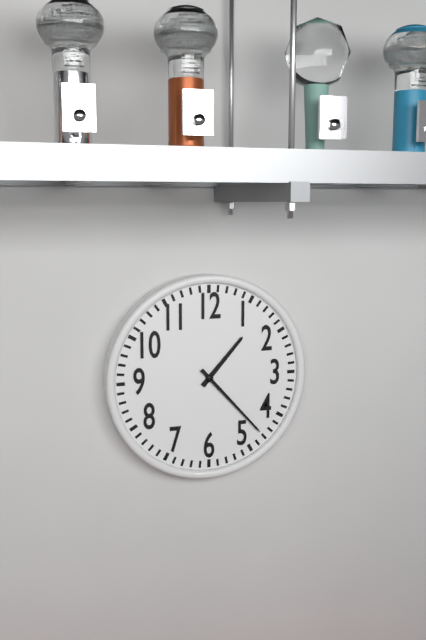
1:23
